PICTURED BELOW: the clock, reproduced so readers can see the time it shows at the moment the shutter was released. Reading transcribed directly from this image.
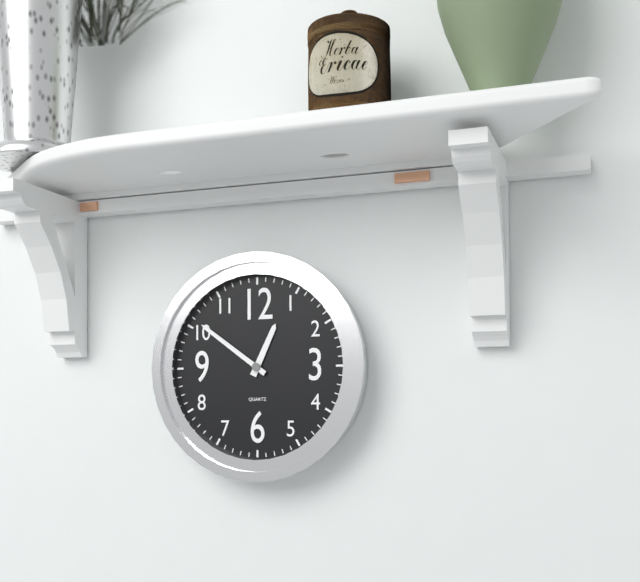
12:51
